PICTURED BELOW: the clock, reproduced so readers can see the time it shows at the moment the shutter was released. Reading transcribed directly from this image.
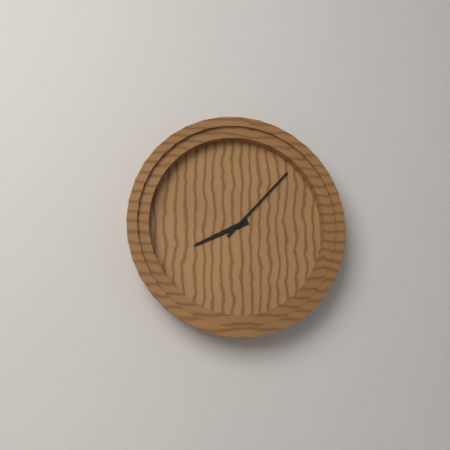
8:07
